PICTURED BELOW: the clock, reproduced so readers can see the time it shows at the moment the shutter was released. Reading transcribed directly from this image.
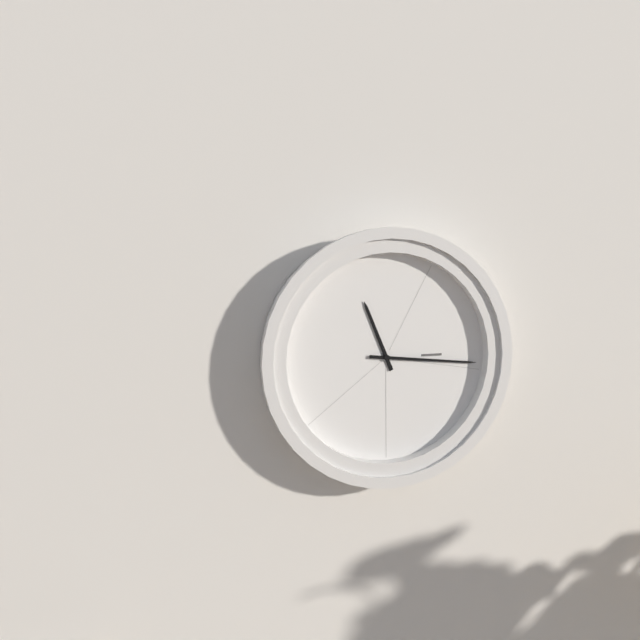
11:16
